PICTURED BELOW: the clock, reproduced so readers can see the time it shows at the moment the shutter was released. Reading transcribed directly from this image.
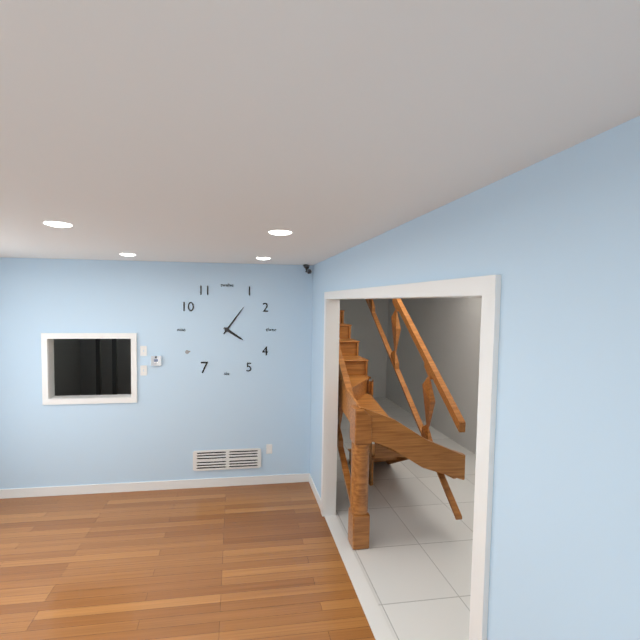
4:06
